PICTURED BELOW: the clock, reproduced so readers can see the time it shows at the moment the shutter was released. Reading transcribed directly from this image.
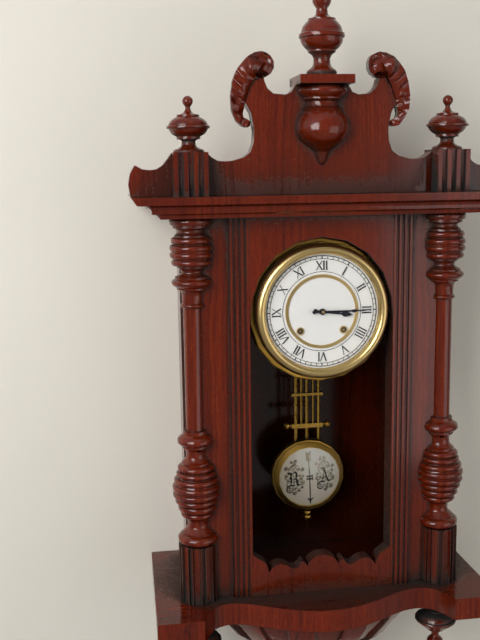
3:15
